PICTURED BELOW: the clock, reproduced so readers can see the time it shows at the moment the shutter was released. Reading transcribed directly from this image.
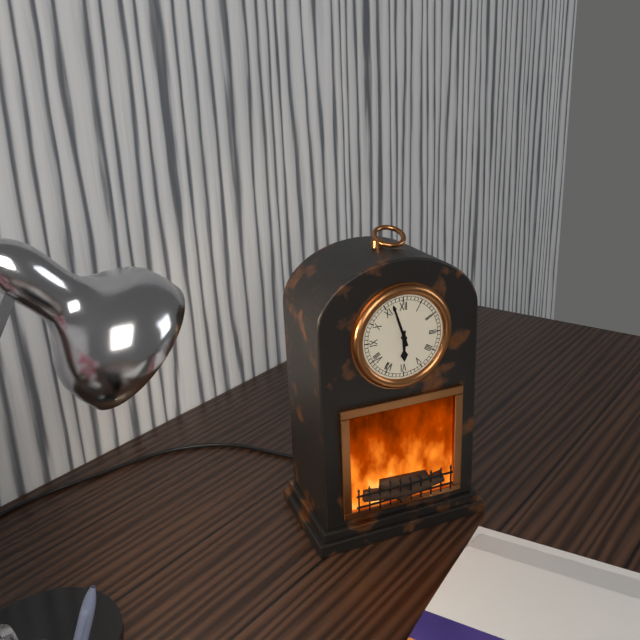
5:57
